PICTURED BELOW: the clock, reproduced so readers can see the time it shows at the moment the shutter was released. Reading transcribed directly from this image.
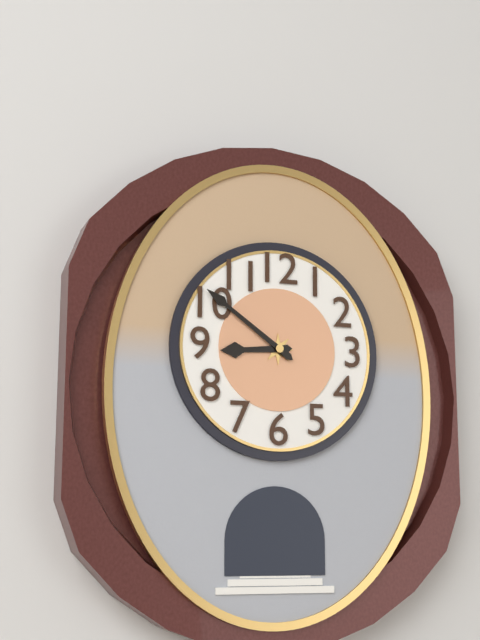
8:51
